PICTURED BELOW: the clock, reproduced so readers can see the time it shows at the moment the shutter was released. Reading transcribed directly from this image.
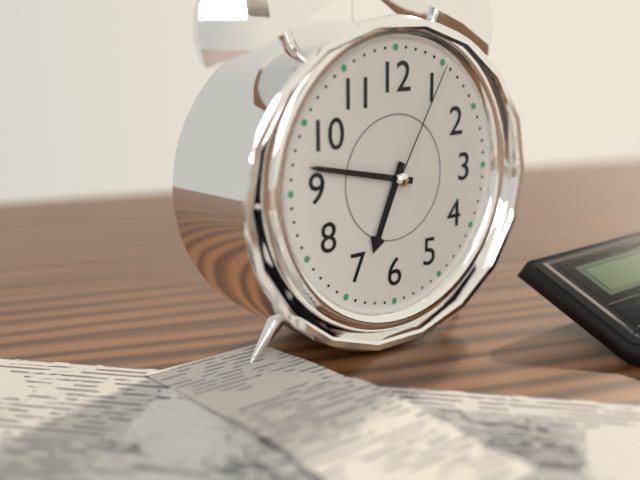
6:47:05
